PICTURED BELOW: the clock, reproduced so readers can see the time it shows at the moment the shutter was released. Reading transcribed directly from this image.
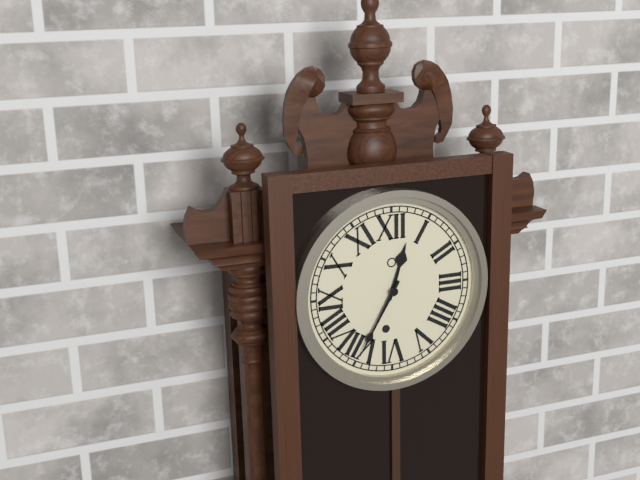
12:35
